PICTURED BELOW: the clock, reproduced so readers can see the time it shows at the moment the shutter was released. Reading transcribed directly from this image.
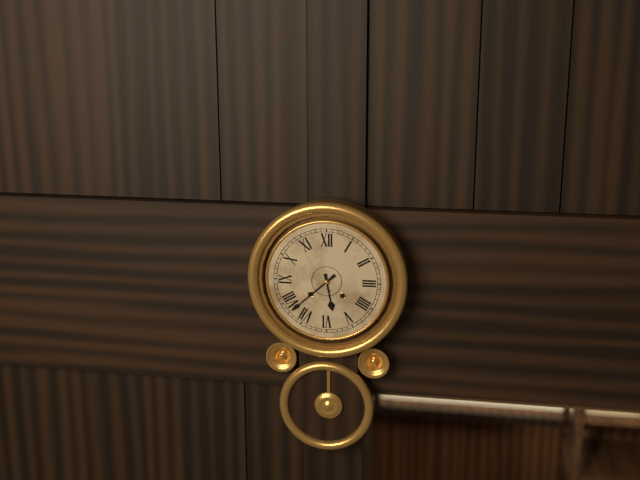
5:38
